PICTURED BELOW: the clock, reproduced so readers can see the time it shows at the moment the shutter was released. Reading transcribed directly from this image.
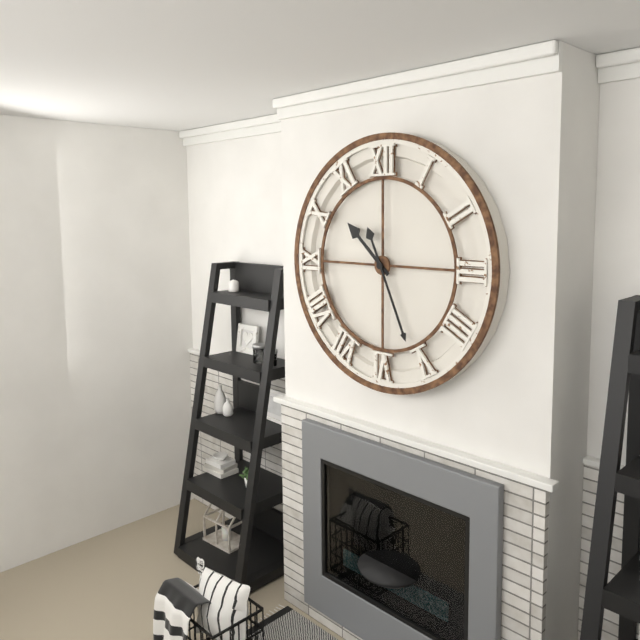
10:26
